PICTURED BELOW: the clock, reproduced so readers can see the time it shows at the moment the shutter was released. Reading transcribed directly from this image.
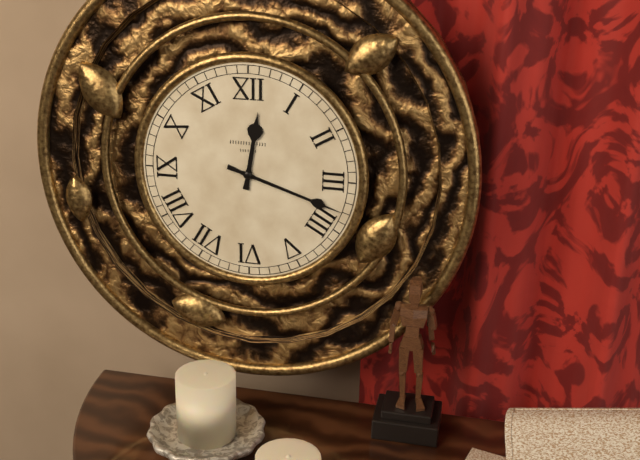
12:18
